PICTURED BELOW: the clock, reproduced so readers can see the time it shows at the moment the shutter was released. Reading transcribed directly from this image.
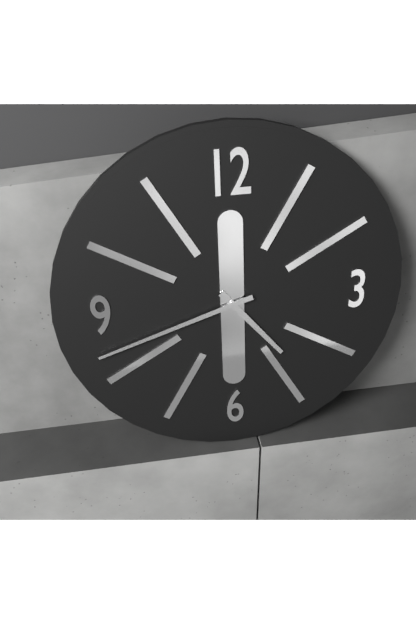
4:42
